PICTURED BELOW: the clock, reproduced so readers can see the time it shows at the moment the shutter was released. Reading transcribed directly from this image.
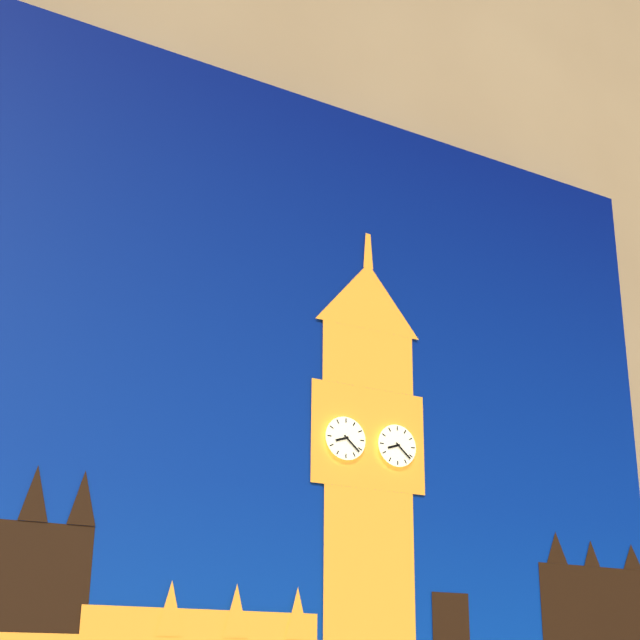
8:22
